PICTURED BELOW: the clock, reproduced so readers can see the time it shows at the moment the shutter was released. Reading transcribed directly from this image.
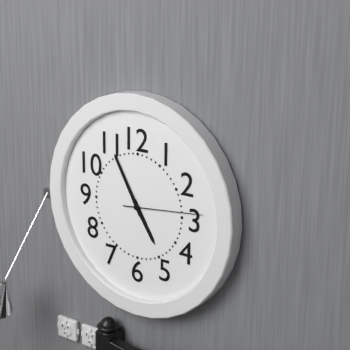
4:55:14
